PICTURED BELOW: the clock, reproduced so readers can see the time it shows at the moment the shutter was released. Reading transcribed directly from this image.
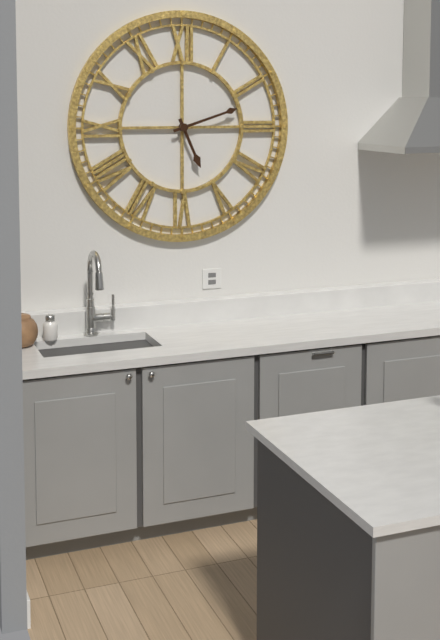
5:12
